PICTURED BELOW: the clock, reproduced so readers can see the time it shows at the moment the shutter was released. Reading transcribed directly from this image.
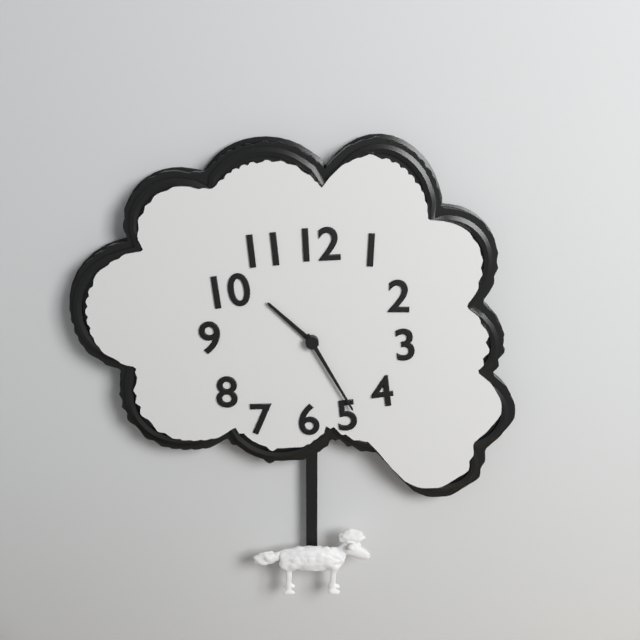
10:25
